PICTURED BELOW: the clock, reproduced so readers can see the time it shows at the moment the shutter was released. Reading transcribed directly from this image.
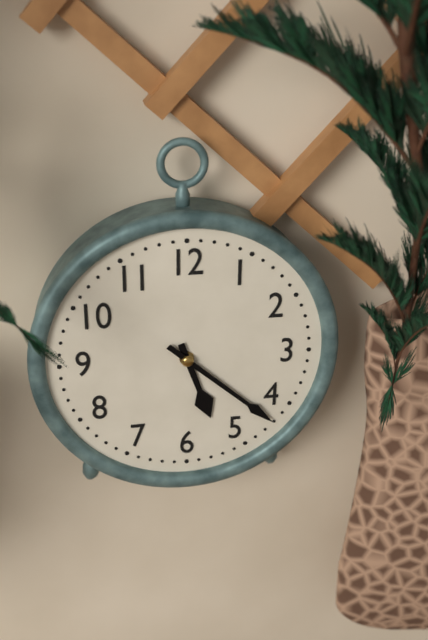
5:22
